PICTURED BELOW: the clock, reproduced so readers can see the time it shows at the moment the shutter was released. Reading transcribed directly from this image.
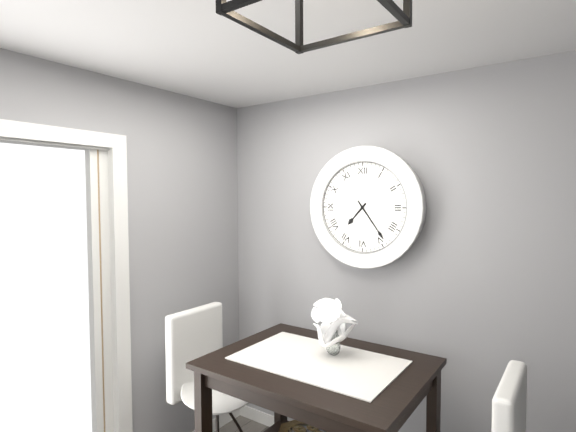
7:24
